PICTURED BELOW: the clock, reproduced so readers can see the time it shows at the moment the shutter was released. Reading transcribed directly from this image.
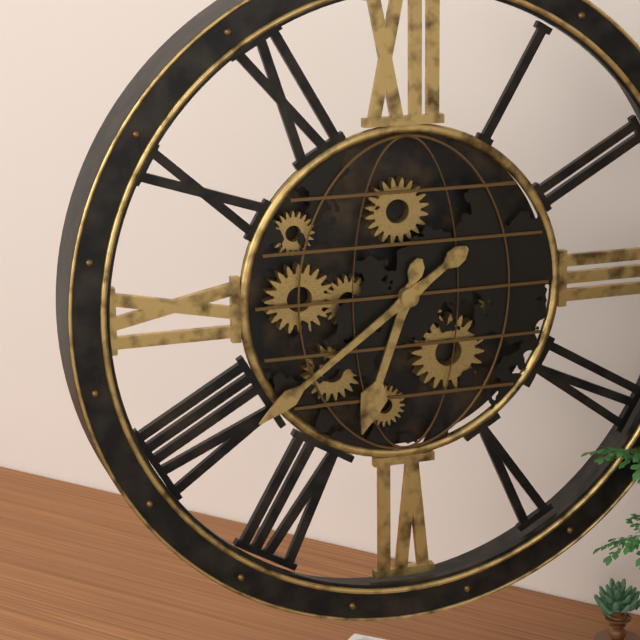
6:39
